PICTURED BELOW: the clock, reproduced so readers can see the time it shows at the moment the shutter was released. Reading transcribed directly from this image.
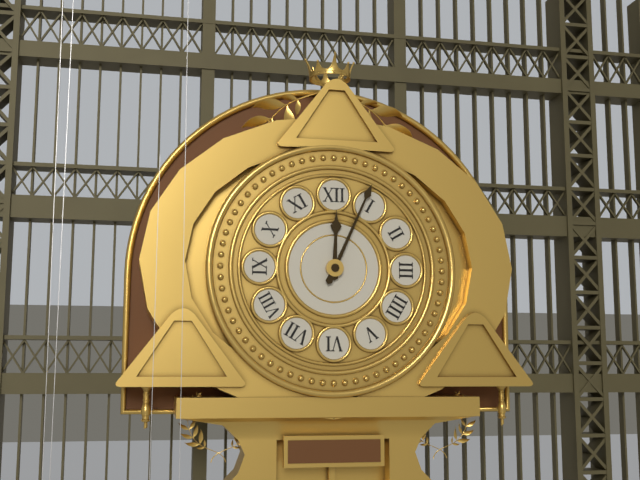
12:04
